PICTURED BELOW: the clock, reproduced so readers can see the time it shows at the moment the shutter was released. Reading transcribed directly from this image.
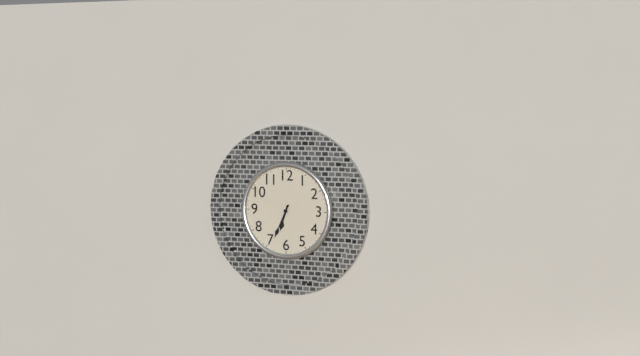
6:34
